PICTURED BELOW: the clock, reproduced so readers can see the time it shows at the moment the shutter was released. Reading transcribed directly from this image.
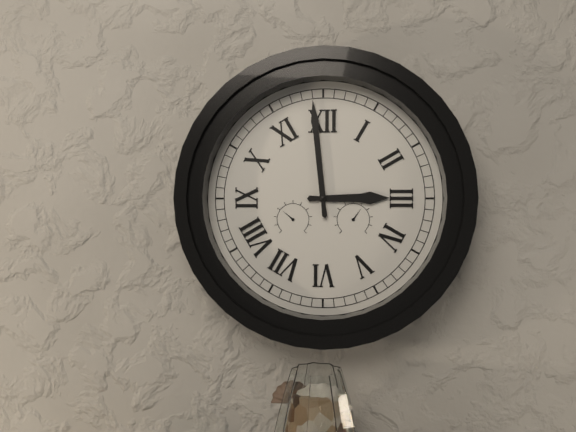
2:59
